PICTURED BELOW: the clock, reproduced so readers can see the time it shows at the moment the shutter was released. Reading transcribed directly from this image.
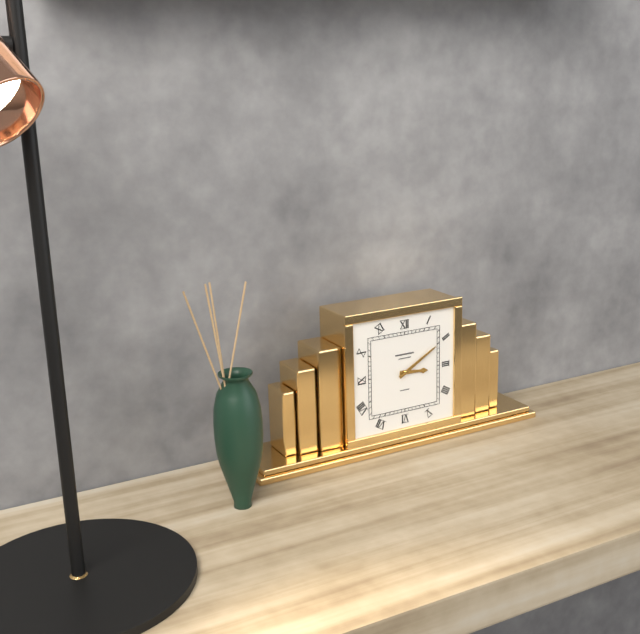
3:10
